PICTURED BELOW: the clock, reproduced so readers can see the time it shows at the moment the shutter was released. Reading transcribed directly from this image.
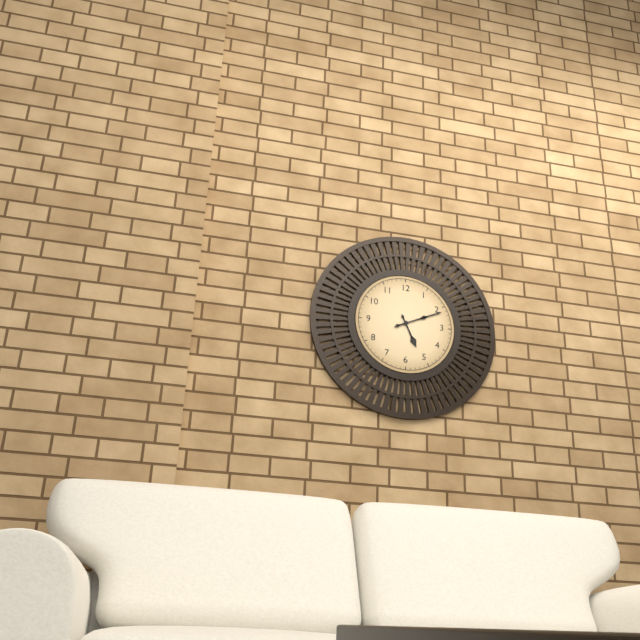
5:11
